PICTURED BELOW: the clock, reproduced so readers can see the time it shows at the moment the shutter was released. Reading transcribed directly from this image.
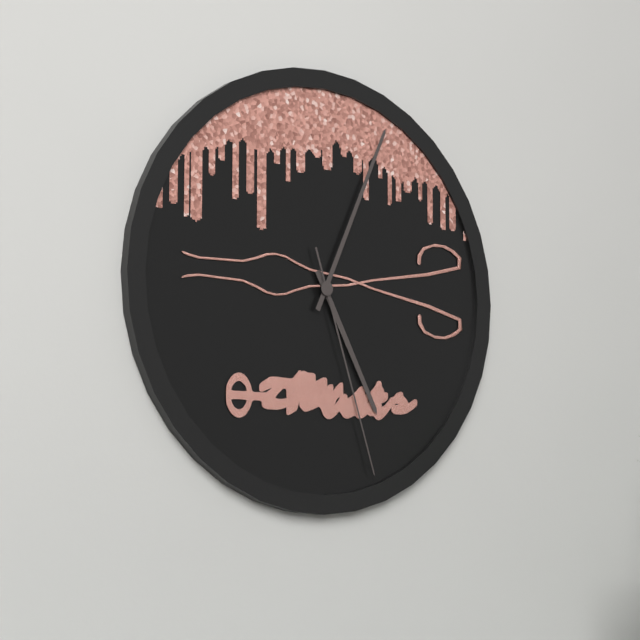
5:04:27
